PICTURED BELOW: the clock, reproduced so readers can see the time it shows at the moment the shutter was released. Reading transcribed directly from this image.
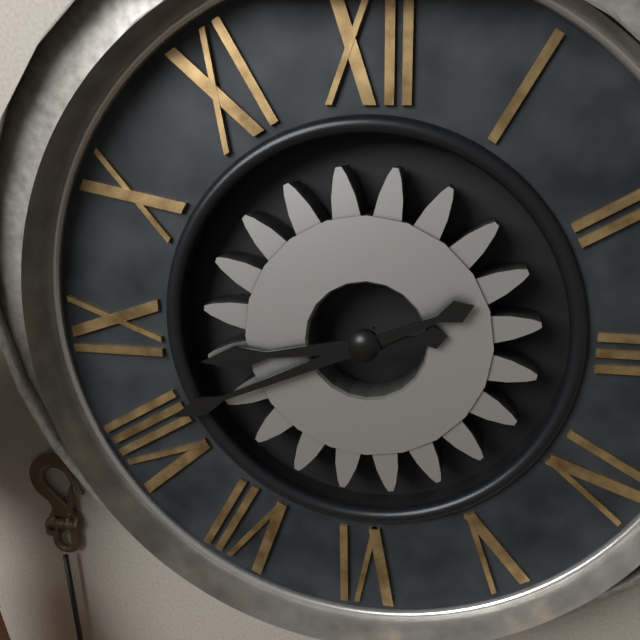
8:41
